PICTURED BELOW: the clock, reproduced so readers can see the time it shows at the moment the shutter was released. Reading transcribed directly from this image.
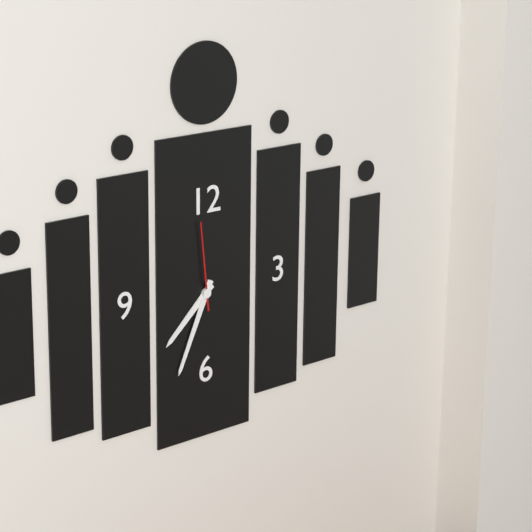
7:34:59
